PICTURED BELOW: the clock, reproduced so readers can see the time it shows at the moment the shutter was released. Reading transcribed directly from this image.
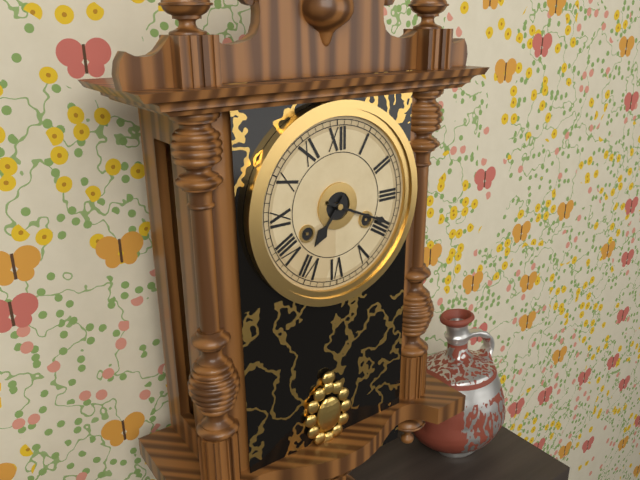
7:19
